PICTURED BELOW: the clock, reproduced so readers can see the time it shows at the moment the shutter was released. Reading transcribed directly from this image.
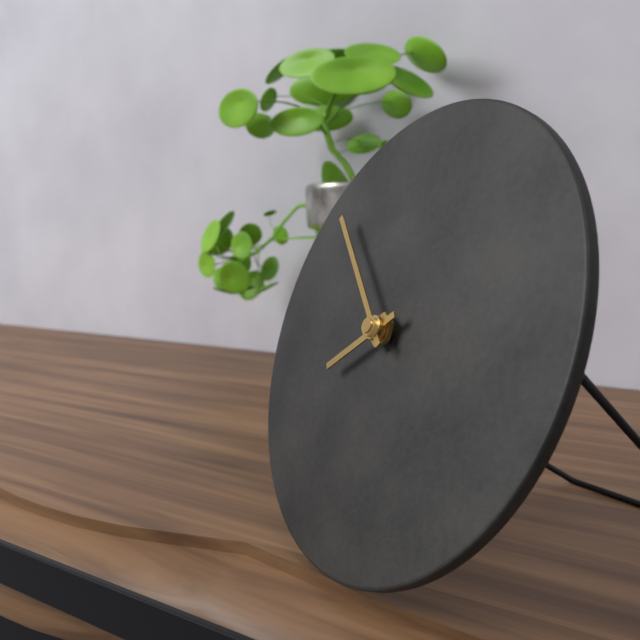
7:52
